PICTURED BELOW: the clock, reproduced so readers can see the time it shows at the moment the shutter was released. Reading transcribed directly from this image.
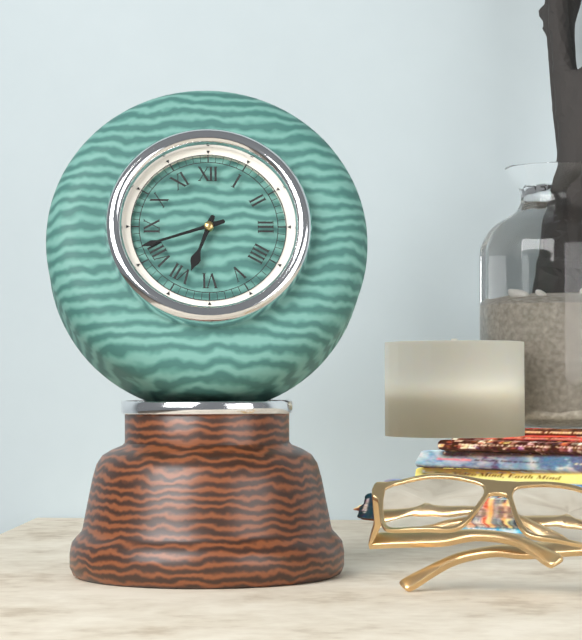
6:42
